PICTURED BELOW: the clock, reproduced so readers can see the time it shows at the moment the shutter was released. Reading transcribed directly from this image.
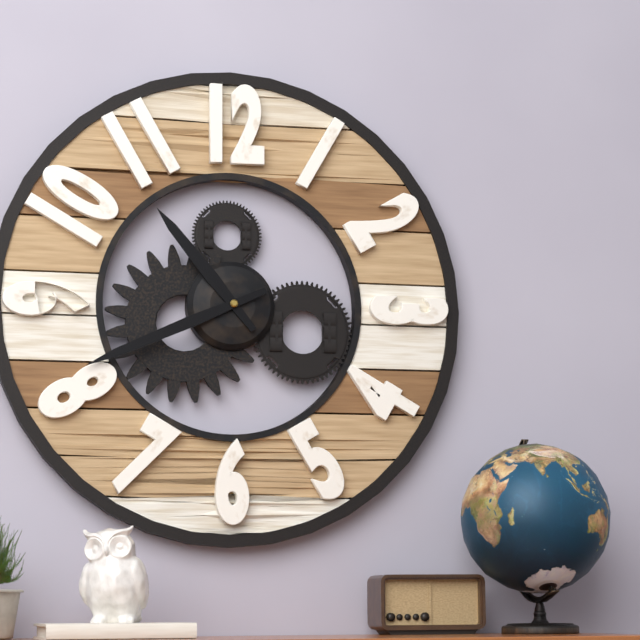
10:41
